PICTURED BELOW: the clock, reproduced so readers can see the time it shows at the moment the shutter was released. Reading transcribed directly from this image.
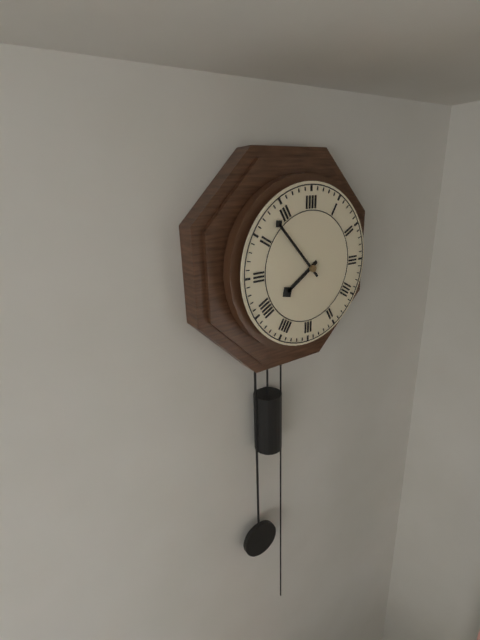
7:53
